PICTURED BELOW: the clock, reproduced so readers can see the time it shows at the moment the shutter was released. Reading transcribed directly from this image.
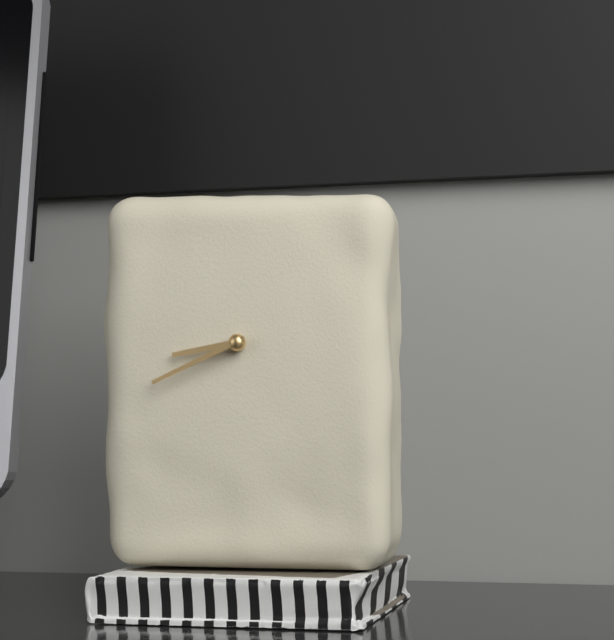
8:41
